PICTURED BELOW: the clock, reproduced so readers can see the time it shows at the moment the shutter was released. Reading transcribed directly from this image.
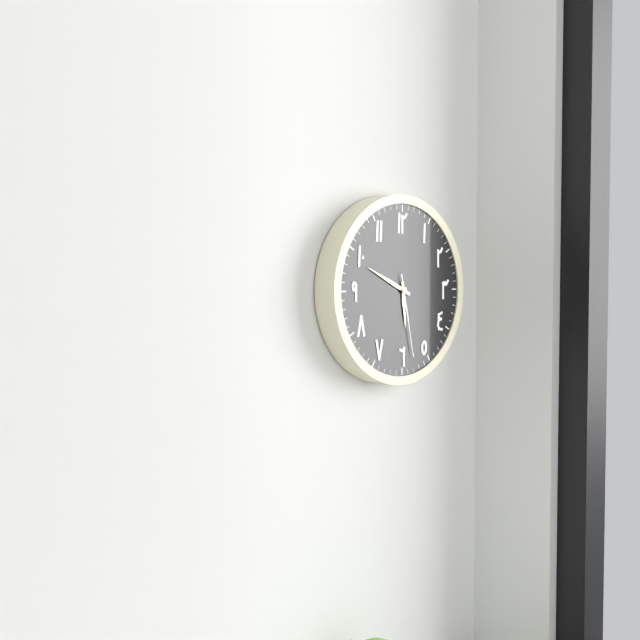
5:49:28
